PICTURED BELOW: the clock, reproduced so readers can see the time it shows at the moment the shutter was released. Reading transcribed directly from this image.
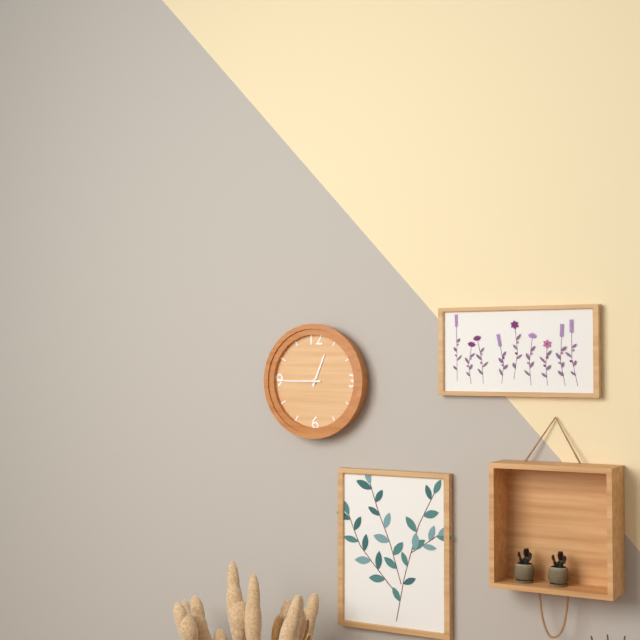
12:45
